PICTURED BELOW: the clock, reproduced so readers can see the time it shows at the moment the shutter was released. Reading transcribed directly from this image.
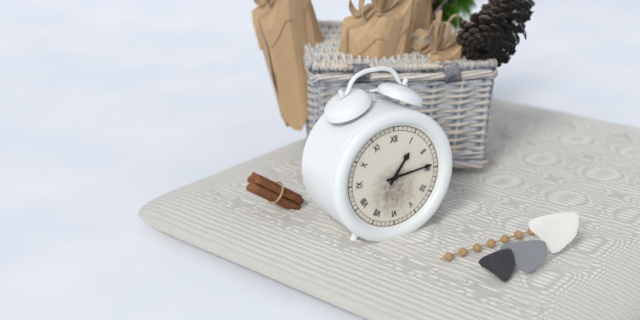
1:14
